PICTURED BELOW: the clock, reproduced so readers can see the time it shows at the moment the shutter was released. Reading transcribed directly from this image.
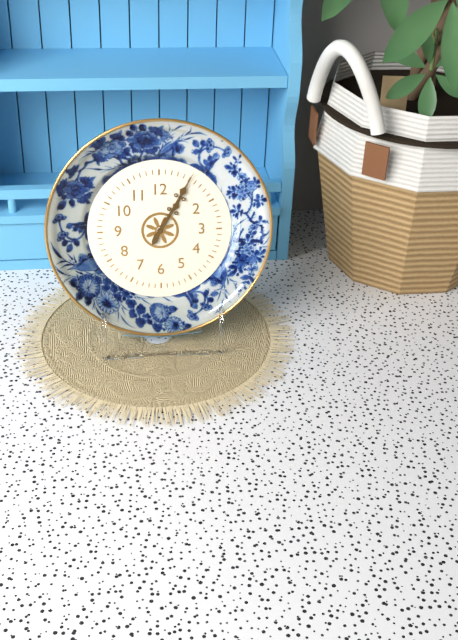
1:05
